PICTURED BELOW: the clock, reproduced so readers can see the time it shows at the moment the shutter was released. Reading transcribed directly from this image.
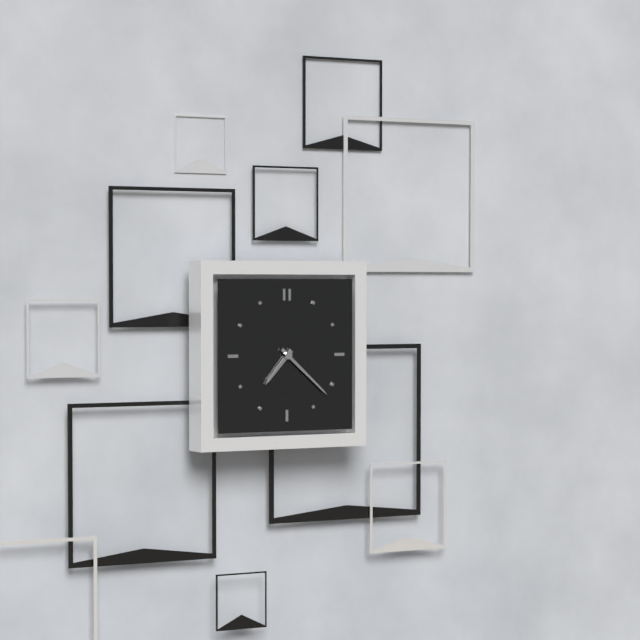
7:22
